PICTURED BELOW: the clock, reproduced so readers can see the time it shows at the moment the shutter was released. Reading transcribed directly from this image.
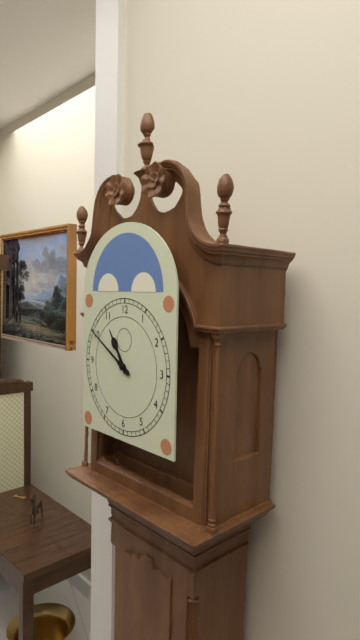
10:50
